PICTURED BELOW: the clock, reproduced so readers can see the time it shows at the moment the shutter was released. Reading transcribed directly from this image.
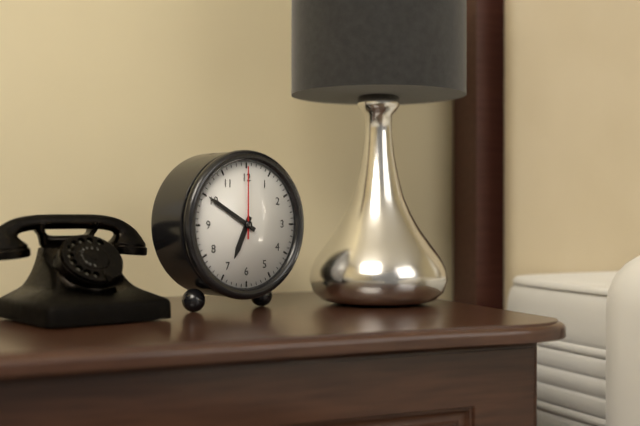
6:50:00
